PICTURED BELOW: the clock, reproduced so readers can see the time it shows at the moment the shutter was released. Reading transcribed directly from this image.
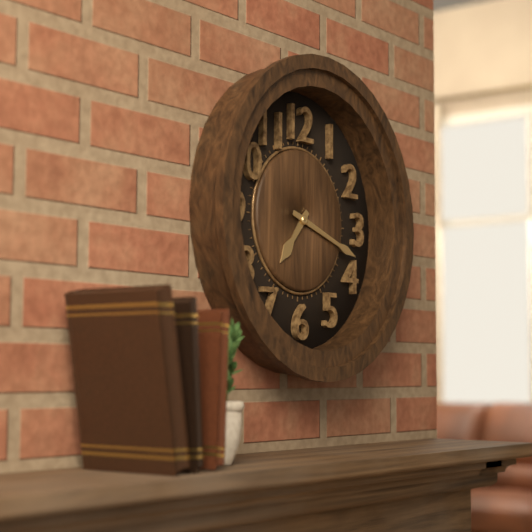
7:18
